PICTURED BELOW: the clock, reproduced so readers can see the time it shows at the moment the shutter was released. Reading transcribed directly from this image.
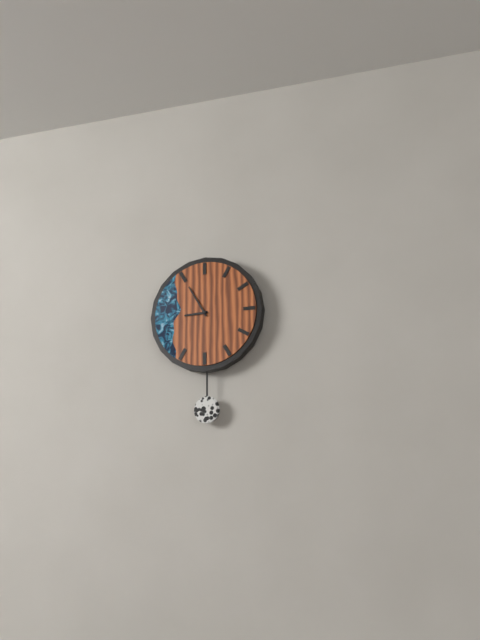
8:55
